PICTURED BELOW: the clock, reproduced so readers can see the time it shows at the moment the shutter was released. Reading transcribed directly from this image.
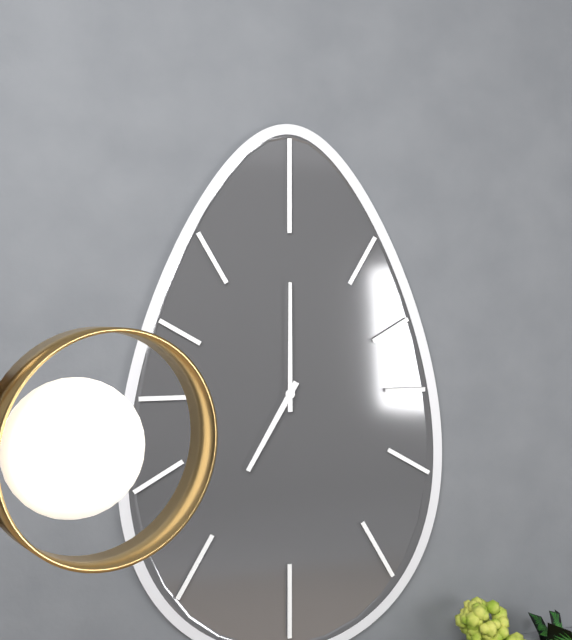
7:00
